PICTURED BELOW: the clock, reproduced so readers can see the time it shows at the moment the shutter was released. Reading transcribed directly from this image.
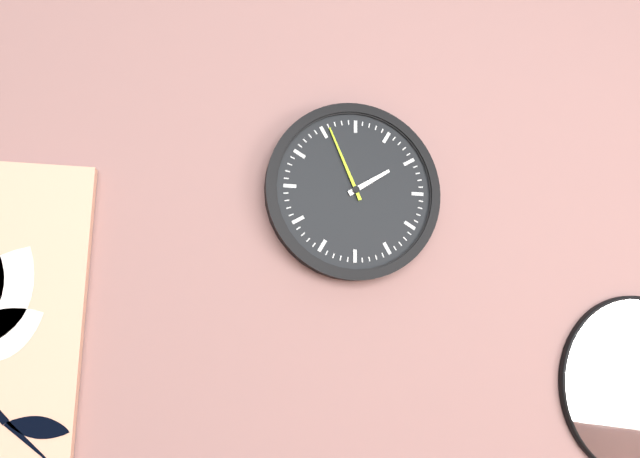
1:56
